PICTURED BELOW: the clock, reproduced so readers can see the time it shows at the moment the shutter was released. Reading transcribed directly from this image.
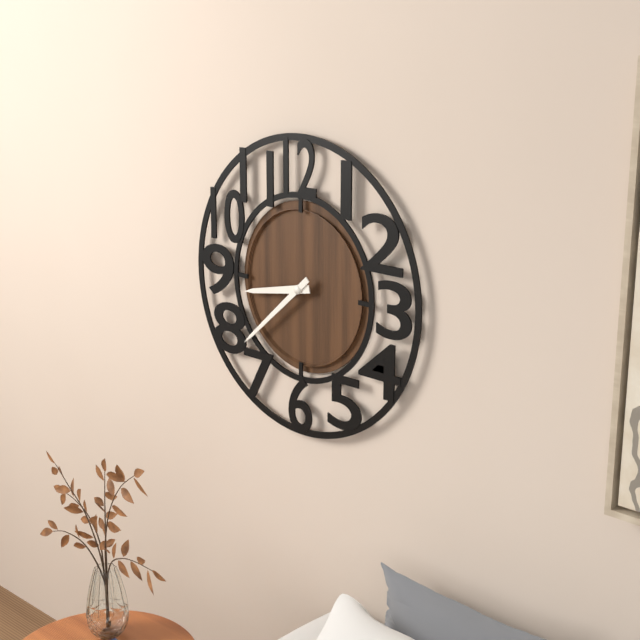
8:38
